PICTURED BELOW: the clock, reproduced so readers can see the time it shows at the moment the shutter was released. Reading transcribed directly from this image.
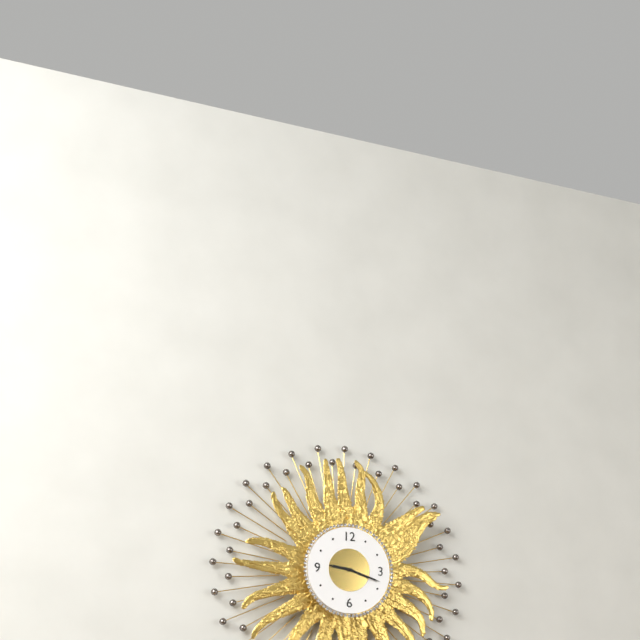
9:18
